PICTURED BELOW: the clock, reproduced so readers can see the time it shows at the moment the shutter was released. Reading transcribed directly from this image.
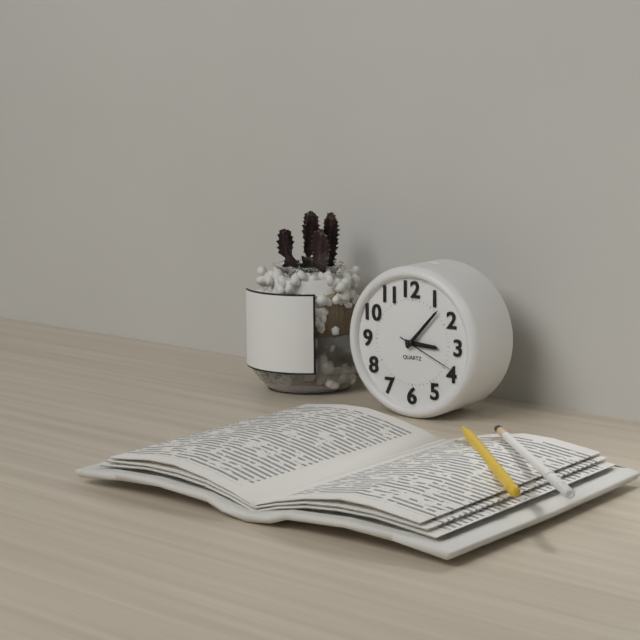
3:07:19
